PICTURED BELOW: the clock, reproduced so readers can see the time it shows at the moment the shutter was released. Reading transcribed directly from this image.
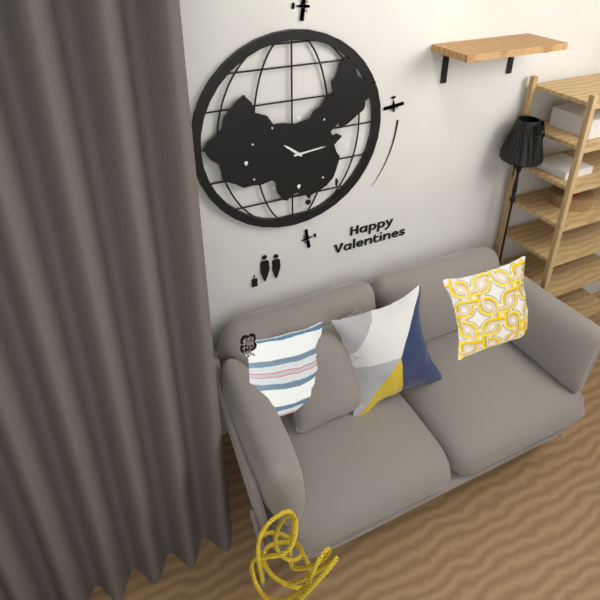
10:14
